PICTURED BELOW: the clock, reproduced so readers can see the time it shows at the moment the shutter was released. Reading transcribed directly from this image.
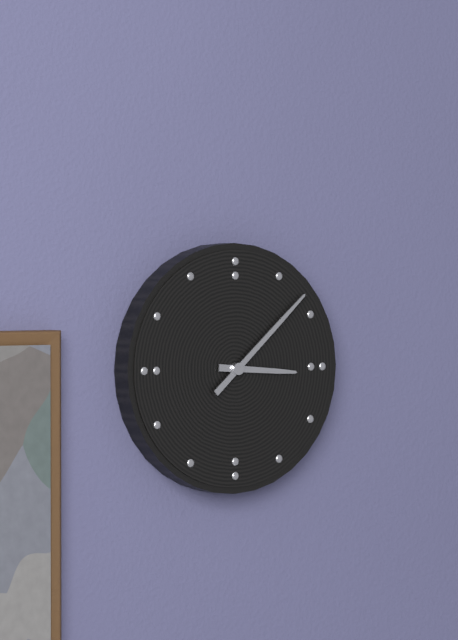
3:08
